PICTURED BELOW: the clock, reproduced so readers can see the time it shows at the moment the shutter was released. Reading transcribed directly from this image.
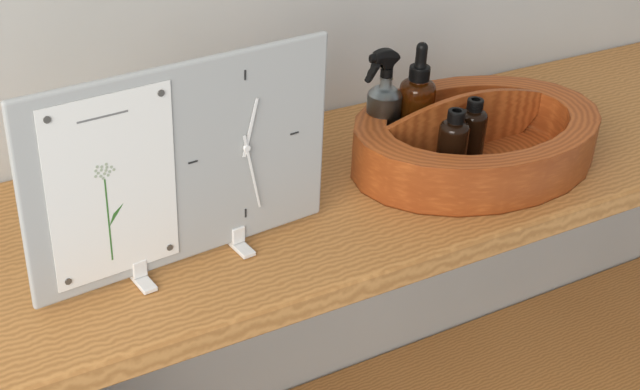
12:28
